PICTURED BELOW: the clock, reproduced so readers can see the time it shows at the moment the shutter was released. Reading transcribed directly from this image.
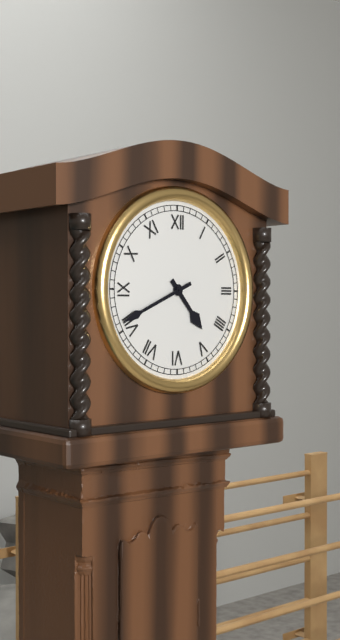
4:41
